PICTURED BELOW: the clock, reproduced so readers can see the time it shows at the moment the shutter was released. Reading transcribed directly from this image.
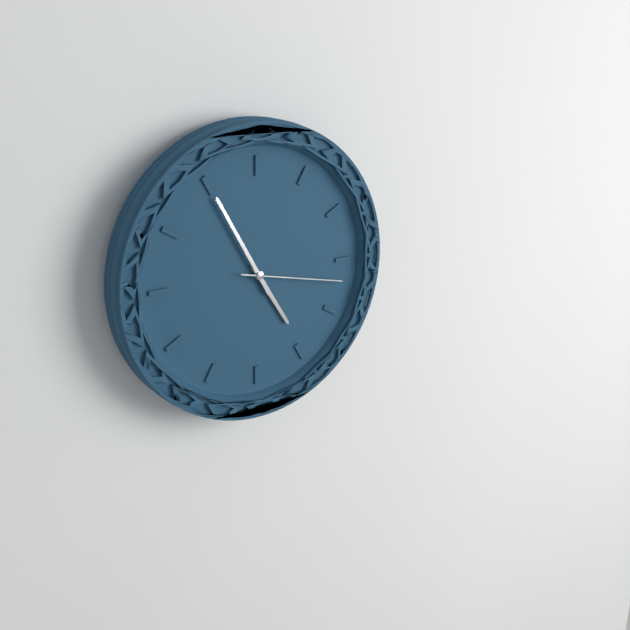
4:55:17
